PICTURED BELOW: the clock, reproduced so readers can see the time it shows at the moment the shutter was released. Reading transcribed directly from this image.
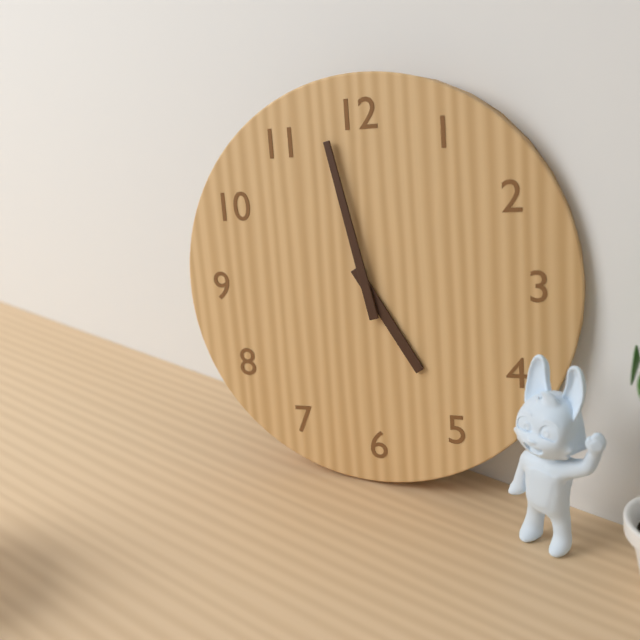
4:58
